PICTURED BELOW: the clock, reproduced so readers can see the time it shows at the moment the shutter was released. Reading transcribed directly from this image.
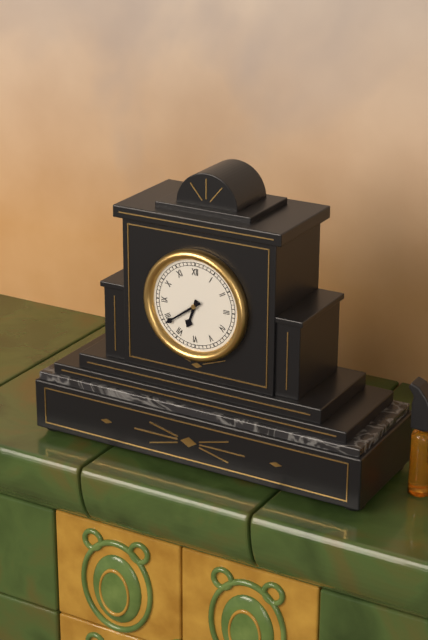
6:39
